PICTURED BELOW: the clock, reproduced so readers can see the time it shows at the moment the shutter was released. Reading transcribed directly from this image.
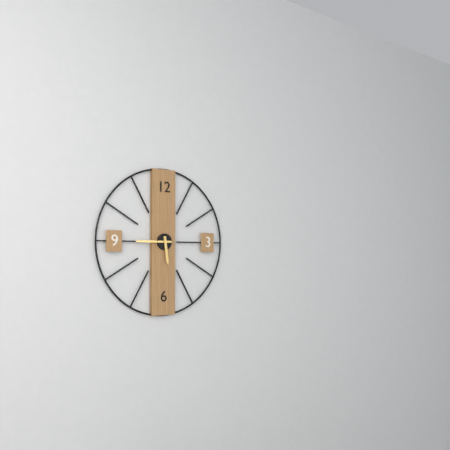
5:45
